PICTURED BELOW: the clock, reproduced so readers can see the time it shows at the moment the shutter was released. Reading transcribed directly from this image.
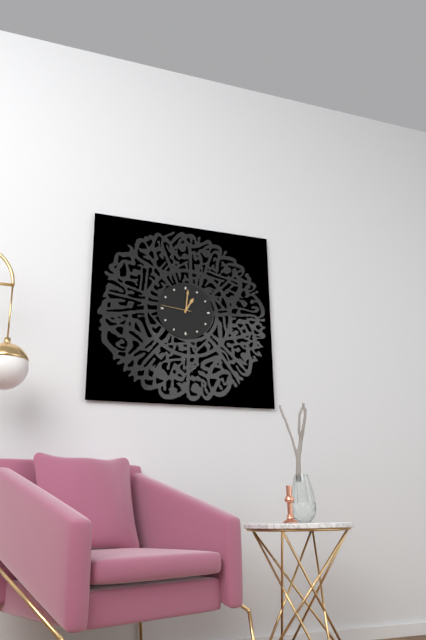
1:01
